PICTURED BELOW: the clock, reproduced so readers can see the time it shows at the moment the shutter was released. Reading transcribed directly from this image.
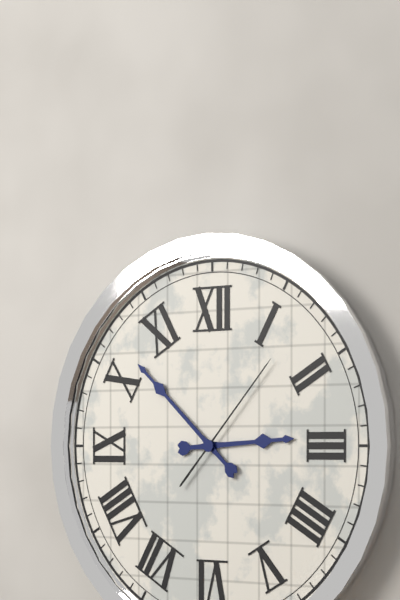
2:52:07
